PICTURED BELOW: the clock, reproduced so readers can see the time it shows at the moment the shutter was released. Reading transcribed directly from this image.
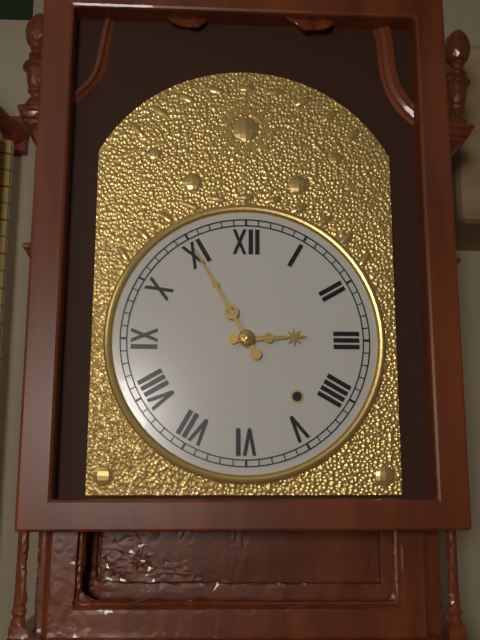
2:55
